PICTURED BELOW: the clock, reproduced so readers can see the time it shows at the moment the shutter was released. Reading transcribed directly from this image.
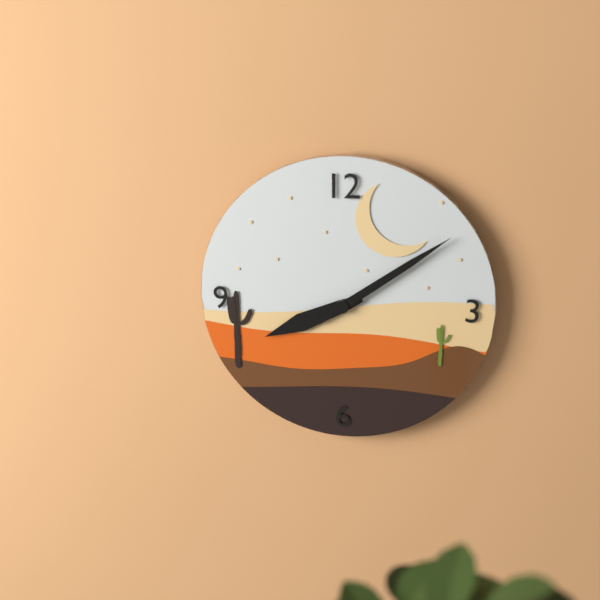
8:09
